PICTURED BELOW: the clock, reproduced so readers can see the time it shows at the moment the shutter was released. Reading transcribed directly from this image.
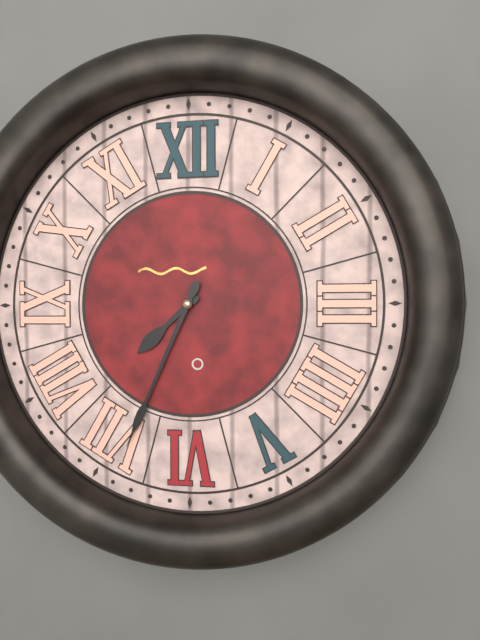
7:34
